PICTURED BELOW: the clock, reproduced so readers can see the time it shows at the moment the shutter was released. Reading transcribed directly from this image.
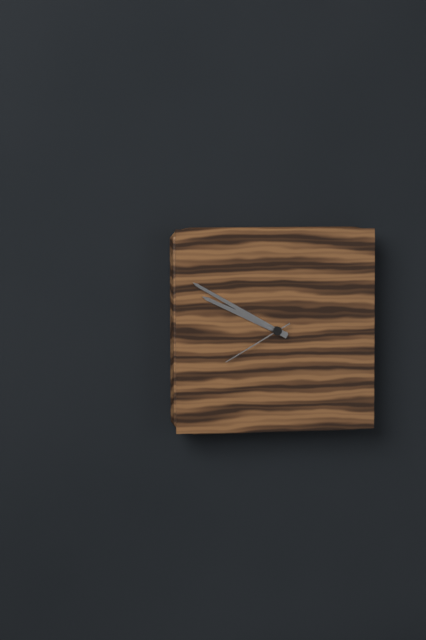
9:50:40
